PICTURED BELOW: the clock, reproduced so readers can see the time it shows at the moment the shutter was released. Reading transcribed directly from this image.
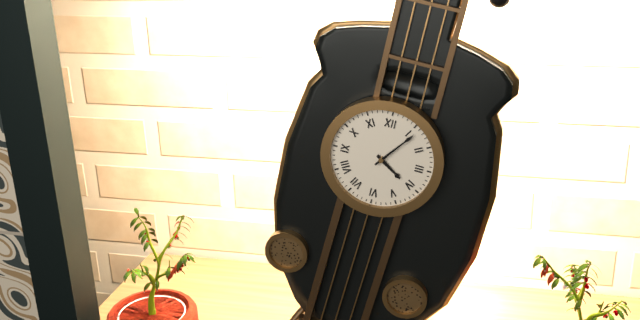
4:06
